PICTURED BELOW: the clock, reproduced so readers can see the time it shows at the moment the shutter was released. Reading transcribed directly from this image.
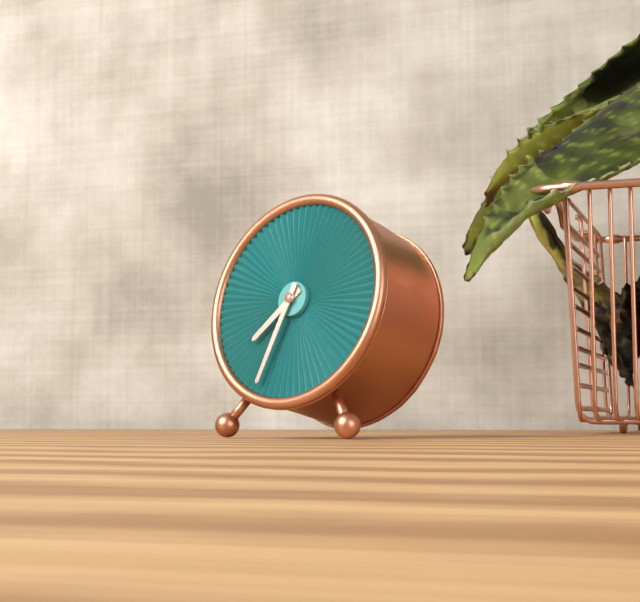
7:33
